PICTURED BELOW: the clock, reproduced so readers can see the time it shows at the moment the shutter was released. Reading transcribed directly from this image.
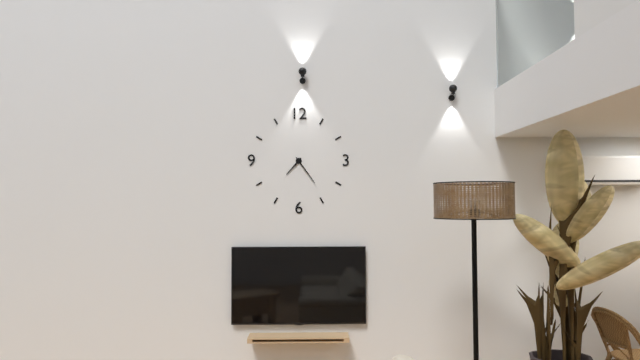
7:24
